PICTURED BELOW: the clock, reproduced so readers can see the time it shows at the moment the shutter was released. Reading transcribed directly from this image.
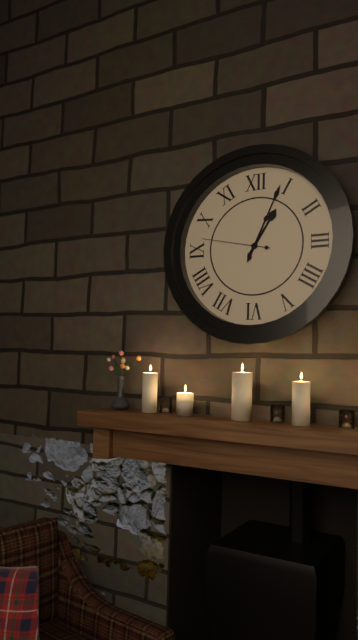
1:04:47
